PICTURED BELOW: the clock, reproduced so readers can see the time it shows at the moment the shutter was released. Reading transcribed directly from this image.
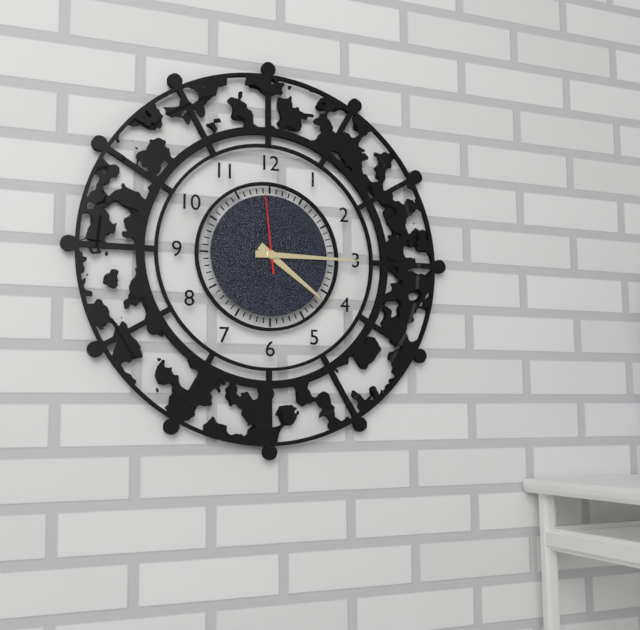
4:15:59
